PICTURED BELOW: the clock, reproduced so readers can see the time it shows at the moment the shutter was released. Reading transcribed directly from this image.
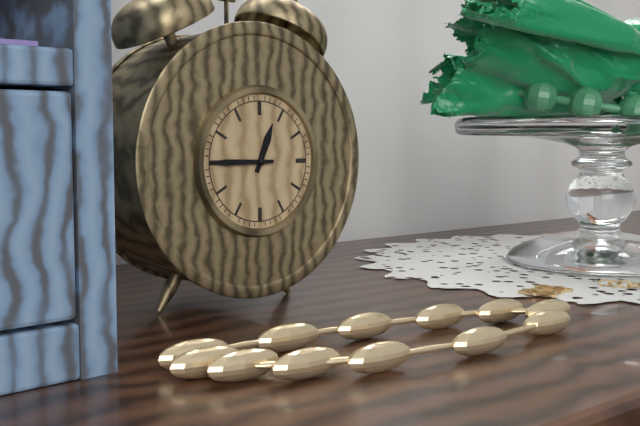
12:45
